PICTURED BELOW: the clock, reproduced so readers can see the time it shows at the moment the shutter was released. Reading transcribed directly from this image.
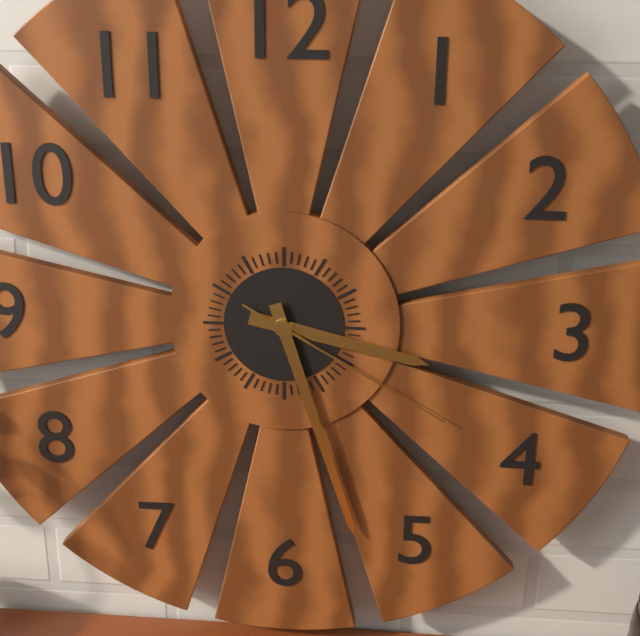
3:27:20
